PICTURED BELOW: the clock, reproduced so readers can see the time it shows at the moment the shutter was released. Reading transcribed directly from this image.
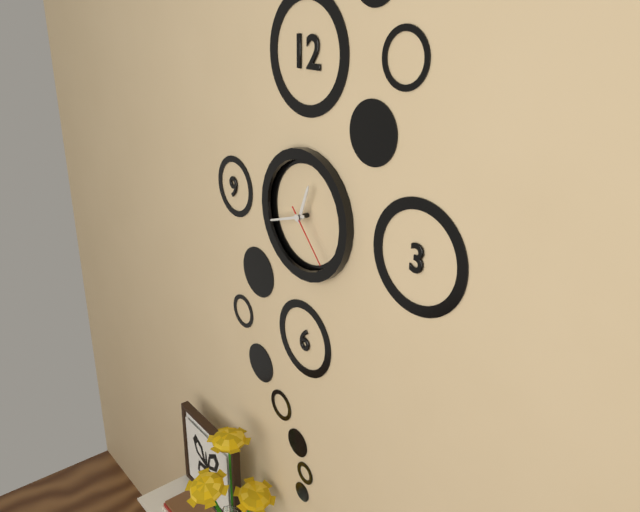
12:42:23
